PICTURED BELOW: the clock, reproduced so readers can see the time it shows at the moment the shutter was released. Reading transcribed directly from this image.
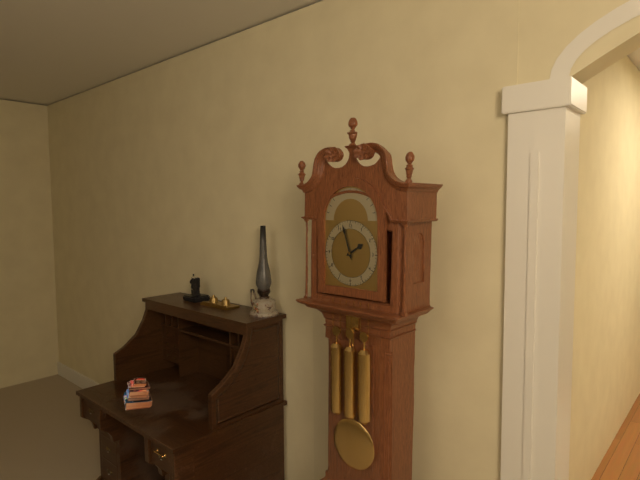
1:57
